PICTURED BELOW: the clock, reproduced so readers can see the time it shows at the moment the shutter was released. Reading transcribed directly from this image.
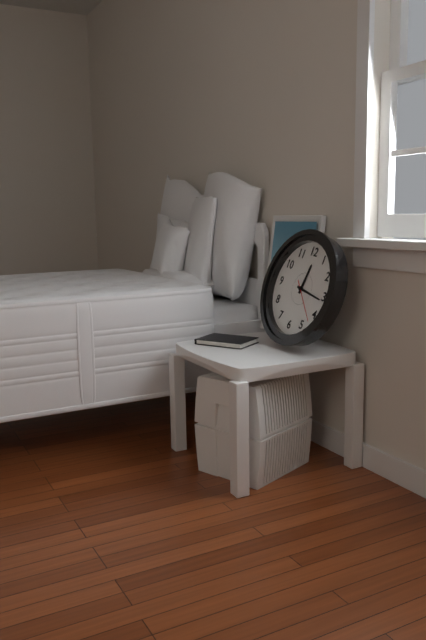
12:16
